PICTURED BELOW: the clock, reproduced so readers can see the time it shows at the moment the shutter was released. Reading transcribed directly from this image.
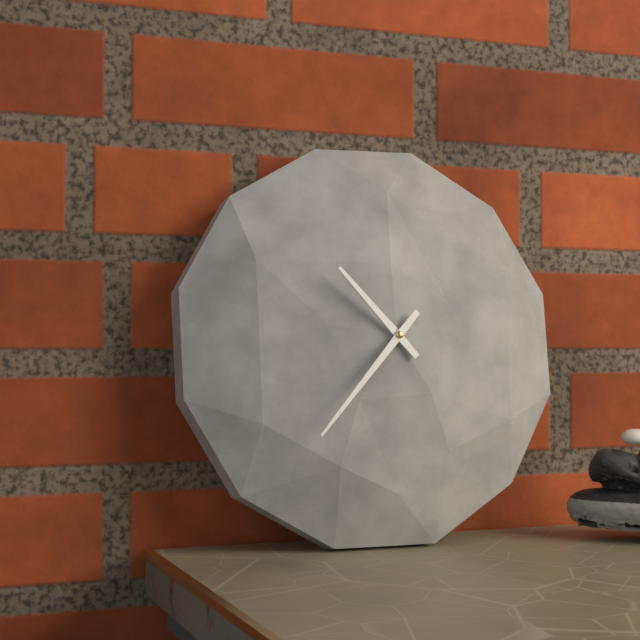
10:37
